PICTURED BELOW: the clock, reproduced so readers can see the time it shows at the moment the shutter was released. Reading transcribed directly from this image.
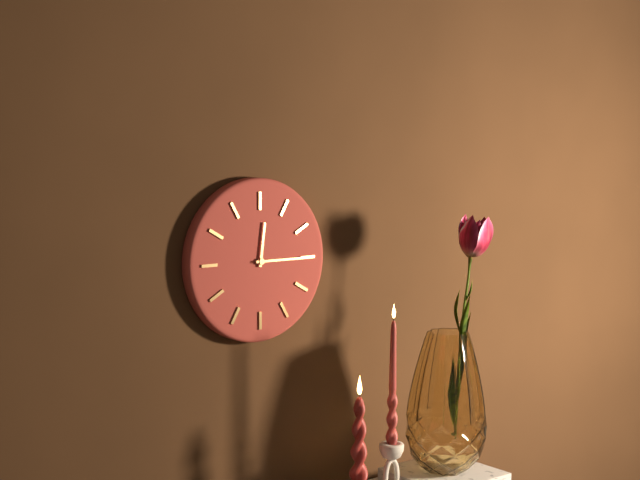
12:15
